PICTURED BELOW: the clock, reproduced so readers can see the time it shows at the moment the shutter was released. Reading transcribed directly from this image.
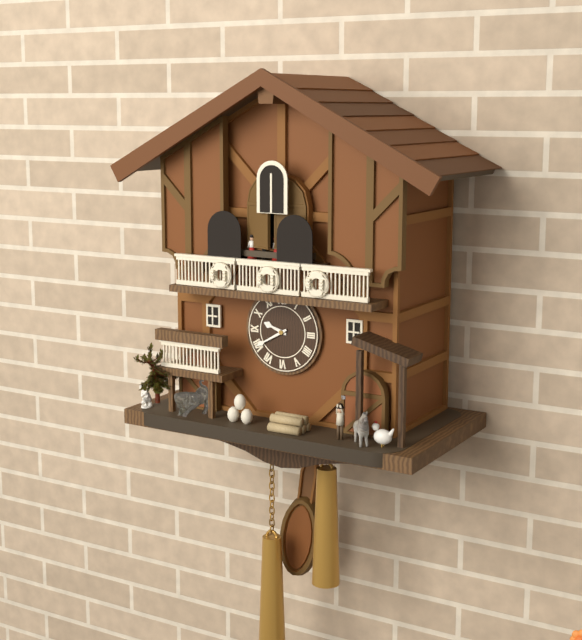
9:40
